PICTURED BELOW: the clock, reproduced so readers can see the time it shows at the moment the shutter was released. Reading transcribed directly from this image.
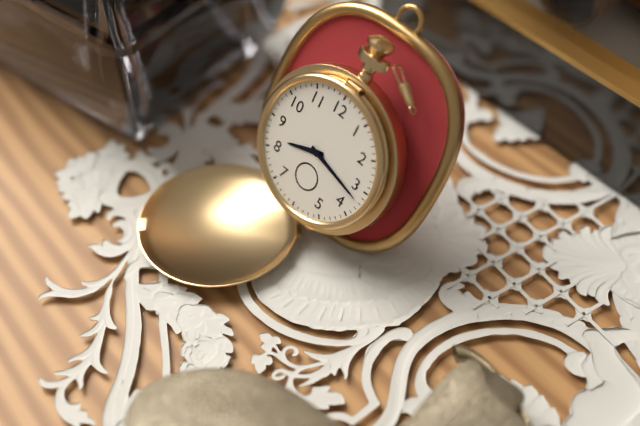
8:17
